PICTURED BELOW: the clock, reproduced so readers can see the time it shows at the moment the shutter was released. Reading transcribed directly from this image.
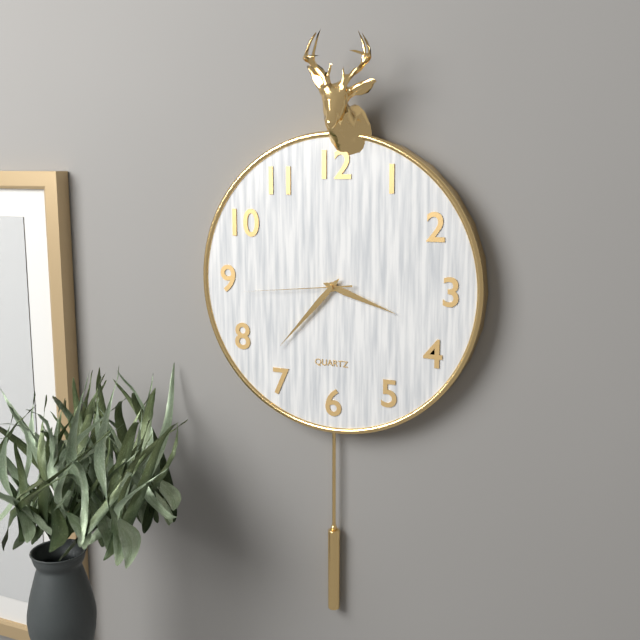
3:37:44
